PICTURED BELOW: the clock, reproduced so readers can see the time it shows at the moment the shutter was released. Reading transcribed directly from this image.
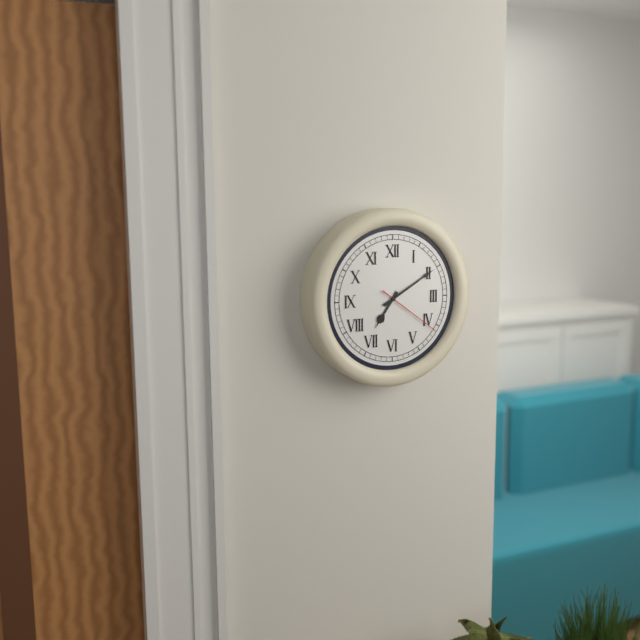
7:10:21
